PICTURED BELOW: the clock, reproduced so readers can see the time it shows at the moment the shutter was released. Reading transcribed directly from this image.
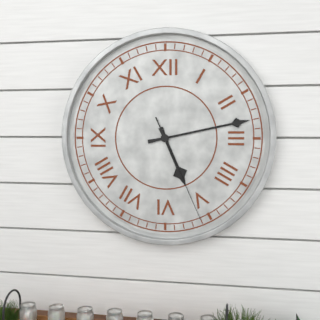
5:13:26
